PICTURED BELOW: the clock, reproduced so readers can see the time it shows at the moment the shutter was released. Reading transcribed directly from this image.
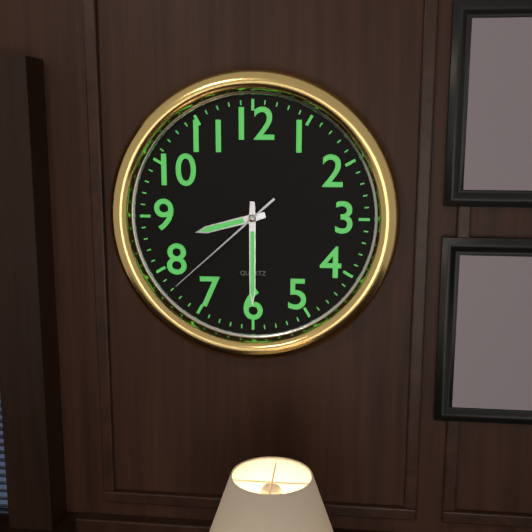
8:30:38
